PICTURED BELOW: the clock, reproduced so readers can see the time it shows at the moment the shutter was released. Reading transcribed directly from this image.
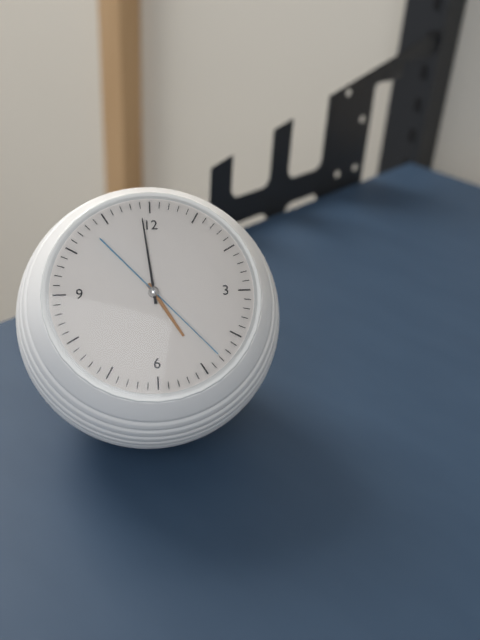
4:59:23
